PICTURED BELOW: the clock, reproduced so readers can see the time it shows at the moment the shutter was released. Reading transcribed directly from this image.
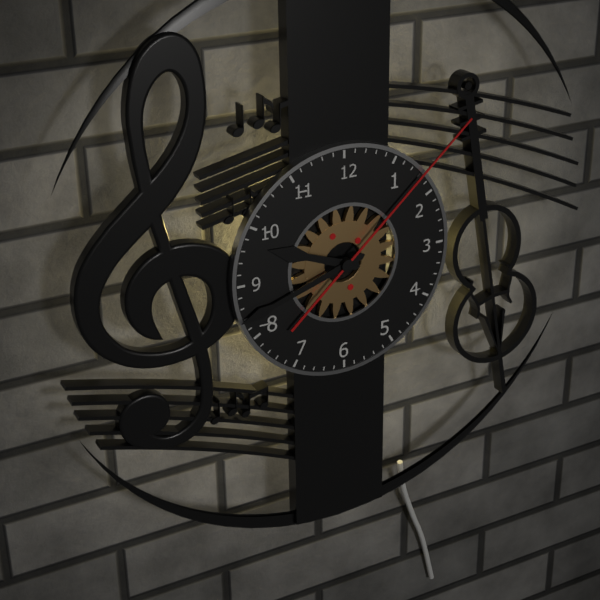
9:42:08
